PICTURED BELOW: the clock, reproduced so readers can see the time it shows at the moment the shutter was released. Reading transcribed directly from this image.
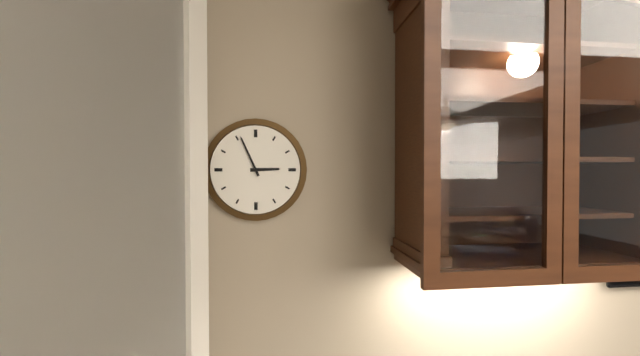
2:56
